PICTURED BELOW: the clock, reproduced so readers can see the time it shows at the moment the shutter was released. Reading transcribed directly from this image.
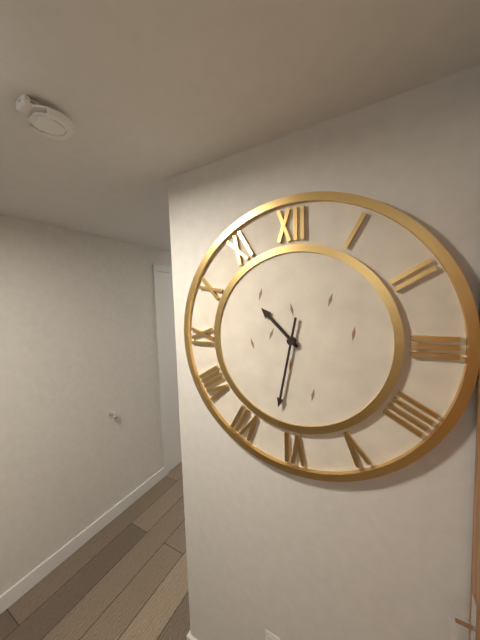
10:32
